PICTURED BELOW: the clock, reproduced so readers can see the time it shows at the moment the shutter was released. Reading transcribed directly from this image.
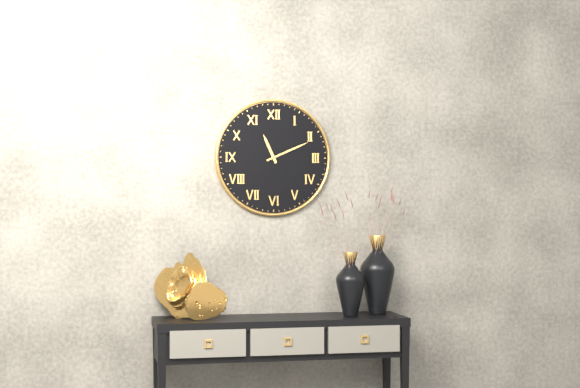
11:11
